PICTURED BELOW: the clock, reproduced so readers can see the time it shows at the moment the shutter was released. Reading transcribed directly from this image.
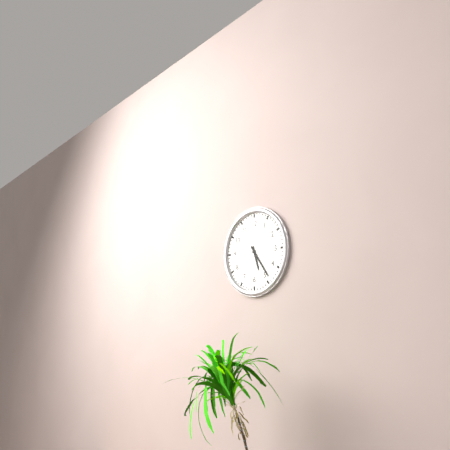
5:24
